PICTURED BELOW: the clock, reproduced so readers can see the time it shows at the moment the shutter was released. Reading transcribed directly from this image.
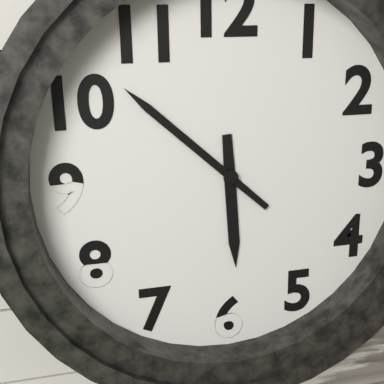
5:52
